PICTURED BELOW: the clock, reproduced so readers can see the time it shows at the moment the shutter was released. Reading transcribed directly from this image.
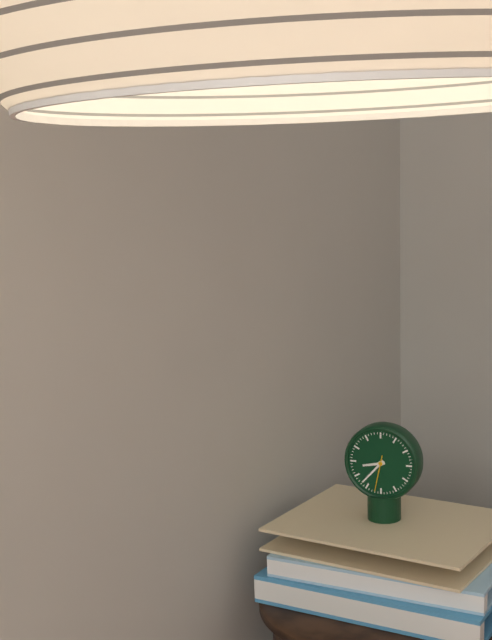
8:37
